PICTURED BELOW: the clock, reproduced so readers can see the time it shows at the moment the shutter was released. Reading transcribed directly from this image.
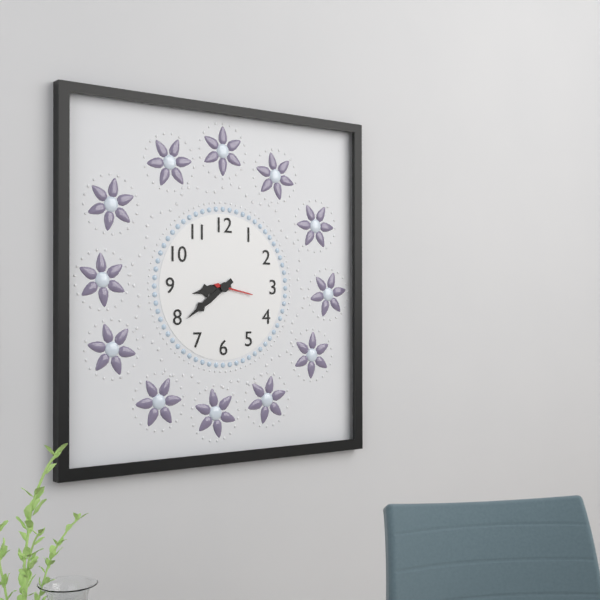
8:39
